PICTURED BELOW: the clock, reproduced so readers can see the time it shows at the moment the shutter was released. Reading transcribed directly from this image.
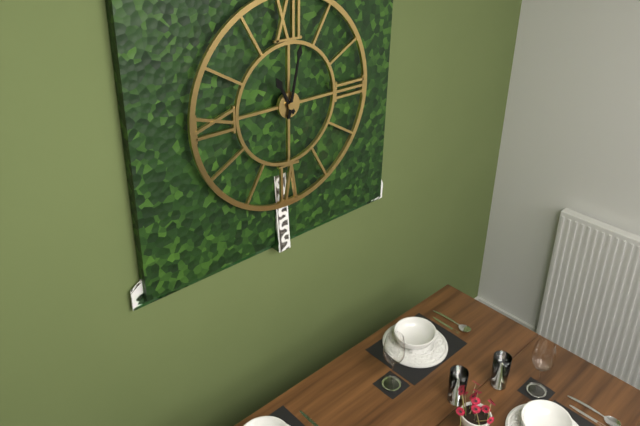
11:02
